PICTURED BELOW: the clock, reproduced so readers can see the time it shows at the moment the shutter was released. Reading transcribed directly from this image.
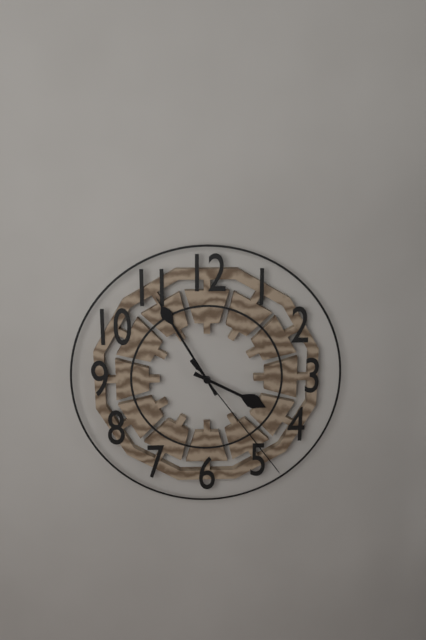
3:55:24
